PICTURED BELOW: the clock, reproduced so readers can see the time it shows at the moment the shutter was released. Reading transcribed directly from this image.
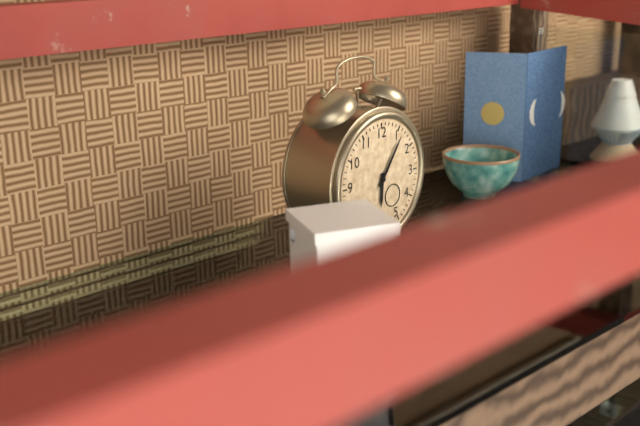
6:06
